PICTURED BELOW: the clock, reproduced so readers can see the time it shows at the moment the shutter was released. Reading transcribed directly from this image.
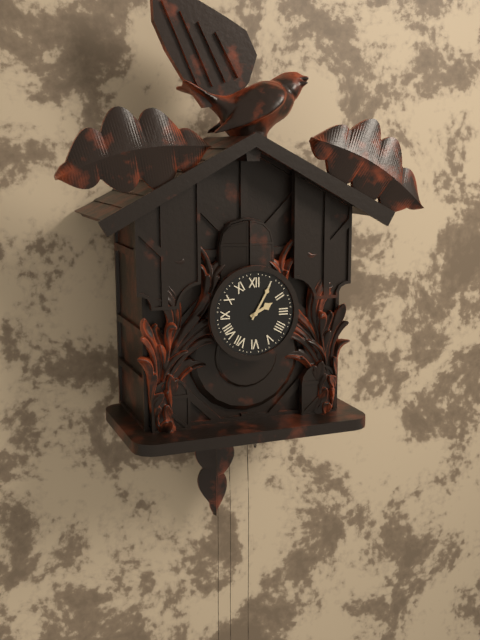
2:05
